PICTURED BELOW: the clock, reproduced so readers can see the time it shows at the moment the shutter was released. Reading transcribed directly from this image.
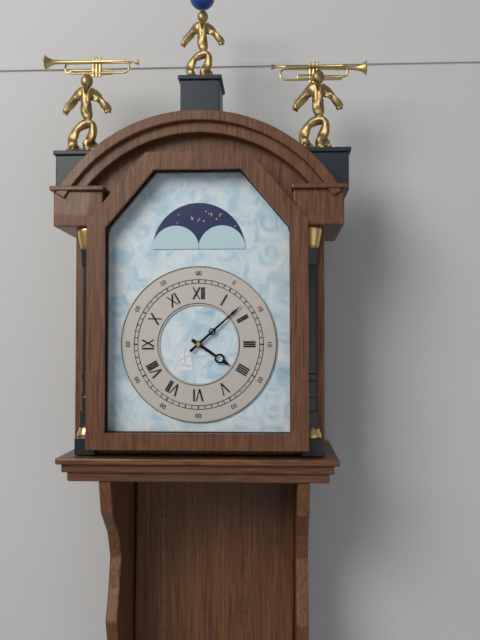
4:08
